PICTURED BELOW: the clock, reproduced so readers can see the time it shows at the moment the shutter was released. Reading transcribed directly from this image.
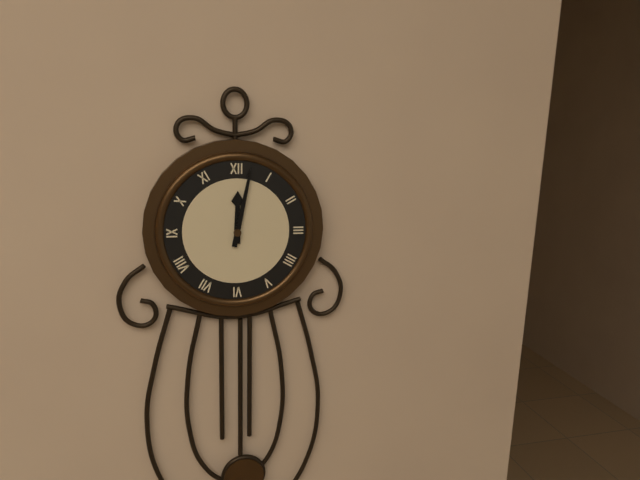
12:02
